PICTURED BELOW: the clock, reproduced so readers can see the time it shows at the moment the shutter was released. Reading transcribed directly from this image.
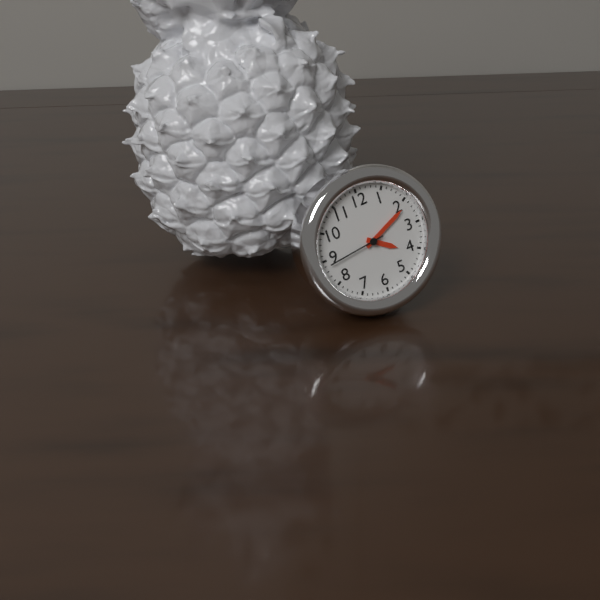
4:11:44
